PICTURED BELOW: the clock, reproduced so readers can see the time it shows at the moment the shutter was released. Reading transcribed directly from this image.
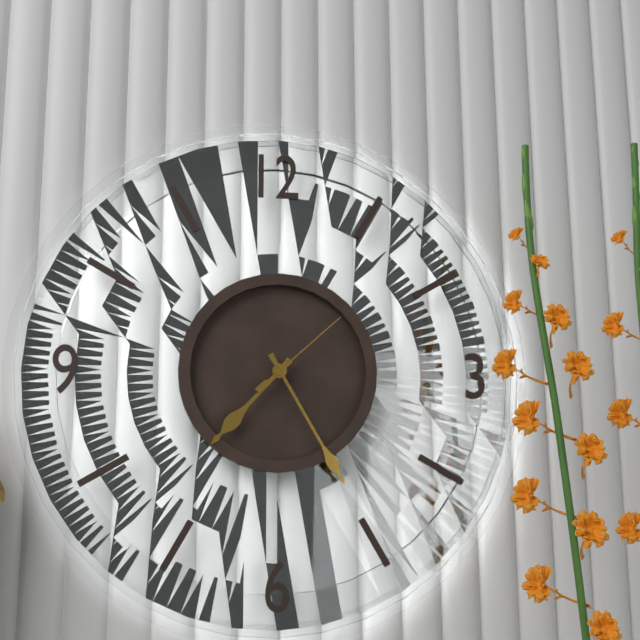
7:25:08
